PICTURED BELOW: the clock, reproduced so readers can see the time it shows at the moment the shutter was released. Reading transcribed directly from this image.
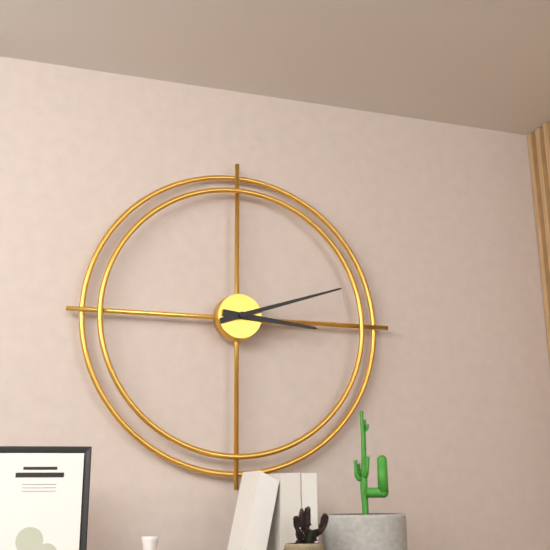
3:12
